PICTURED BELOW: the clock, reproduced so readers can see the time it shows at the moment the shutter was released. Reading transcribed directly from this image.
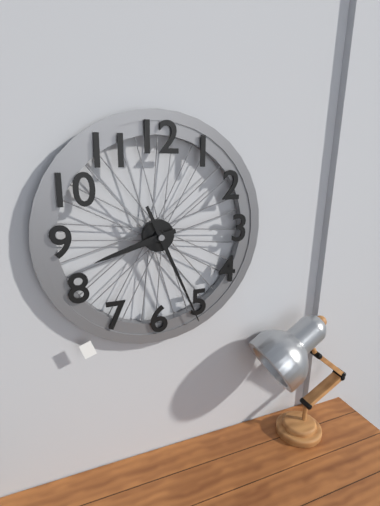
8:26
